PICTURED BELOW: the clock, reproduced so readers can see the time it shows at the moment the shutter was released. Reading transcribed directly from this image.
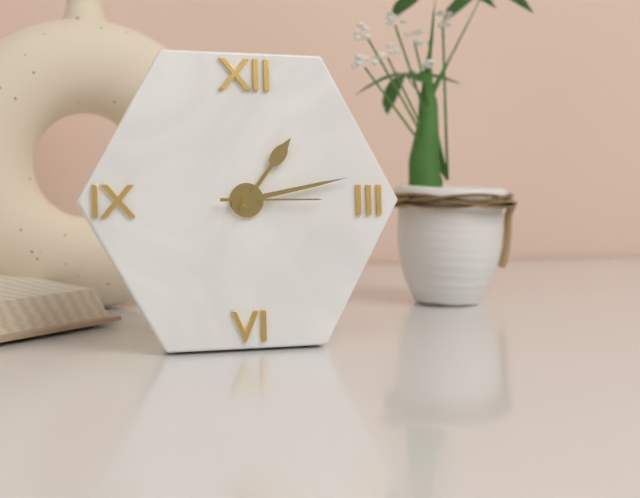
1:13:15
